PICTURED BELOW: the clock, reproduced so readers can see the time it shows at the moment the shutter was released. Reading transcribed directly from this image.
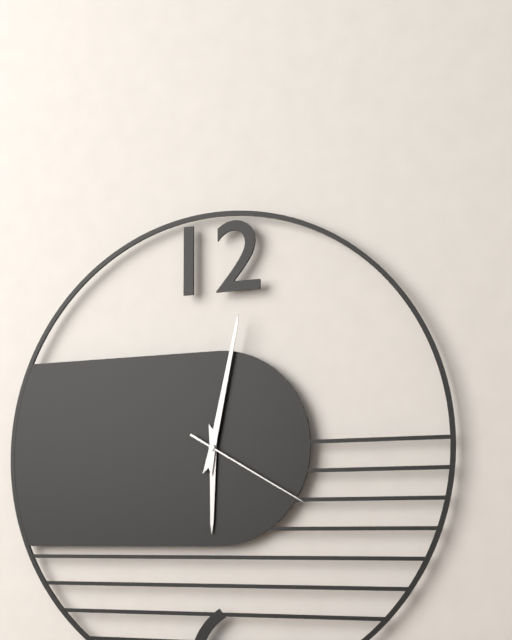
6:02:20
